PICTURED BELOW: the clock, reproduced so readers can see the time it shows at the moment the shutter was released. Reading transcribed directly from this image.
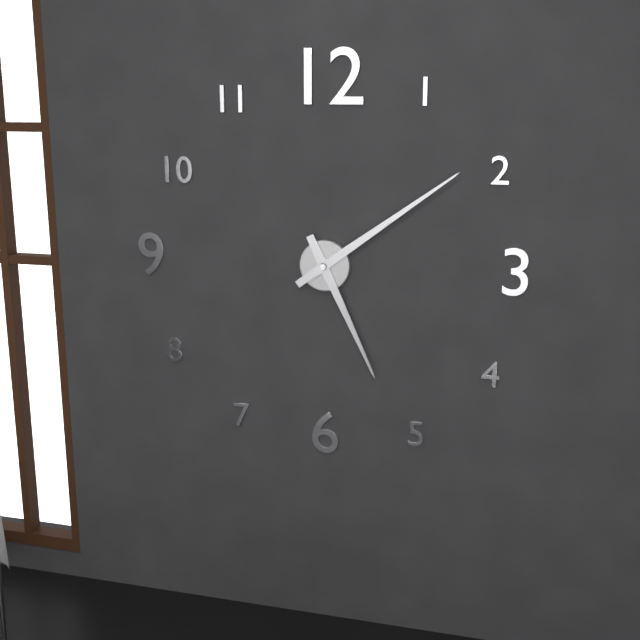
5:09
